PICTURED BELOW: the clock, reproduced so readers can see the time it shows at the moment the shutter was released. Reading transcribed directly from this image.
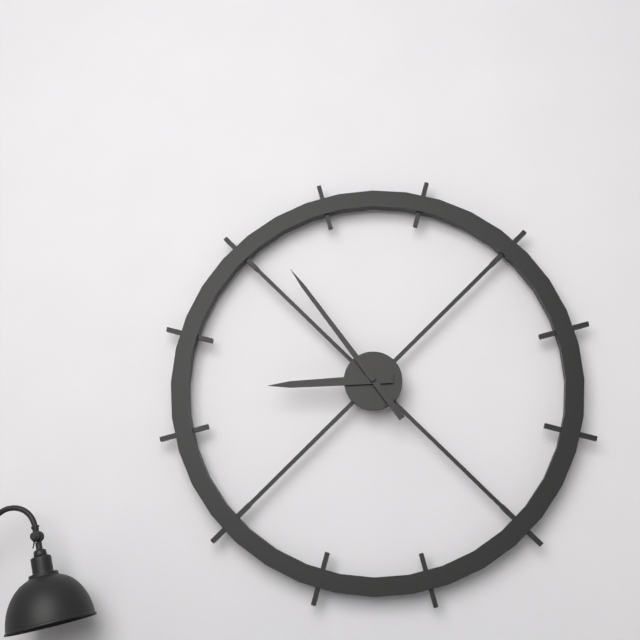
8:54
